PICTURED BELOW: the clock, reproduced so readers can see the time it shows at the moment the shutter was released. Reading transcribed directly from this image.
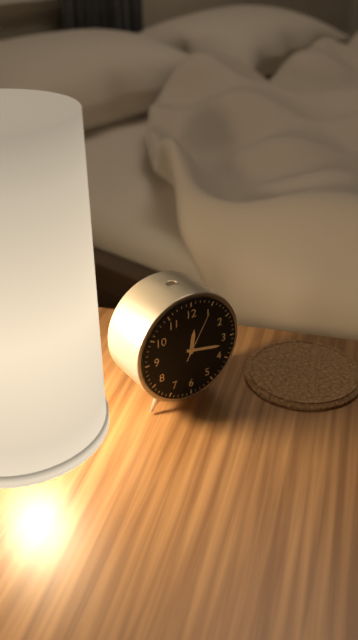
12:17:05
